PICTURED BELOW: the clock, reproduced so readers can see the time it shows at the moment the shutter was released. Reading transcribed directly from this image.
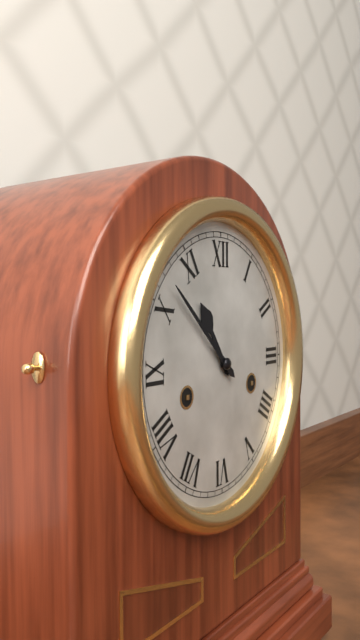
10:52
